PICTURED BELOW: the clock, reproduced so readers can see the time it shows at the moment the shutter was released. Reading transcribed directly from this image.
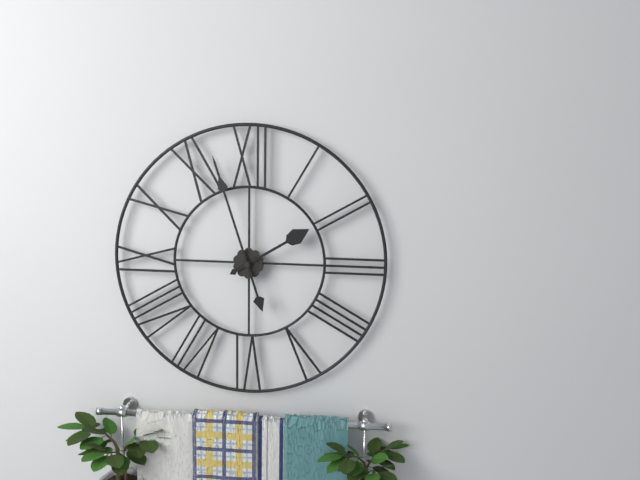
1:57
